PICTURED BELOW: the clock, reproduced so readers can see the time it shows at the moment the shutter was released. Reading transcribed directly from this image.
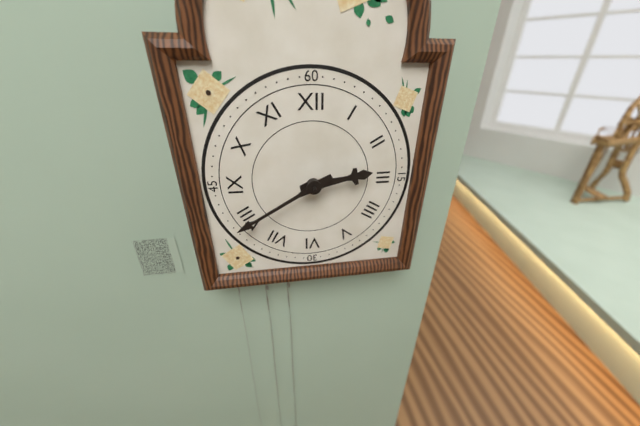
2:40
